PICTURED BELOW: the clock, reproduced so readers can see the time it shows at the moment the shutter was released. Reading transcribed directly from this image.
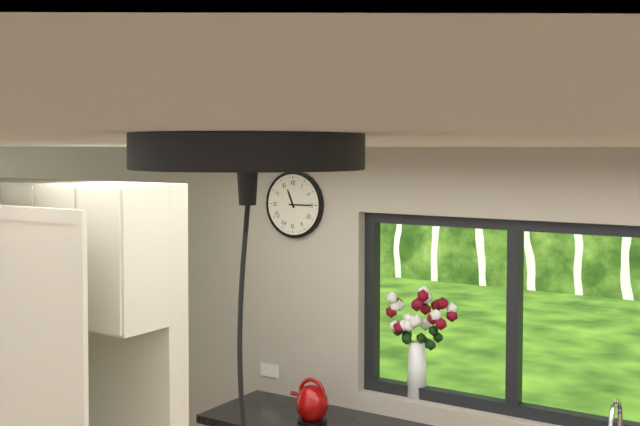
11:15
